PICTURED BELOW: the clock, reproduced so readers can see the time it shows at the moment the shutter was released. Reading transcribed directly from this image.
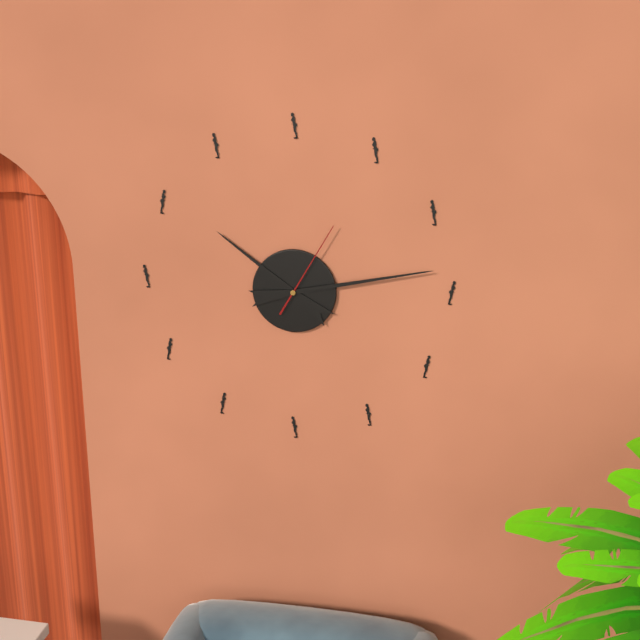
10:13:05
